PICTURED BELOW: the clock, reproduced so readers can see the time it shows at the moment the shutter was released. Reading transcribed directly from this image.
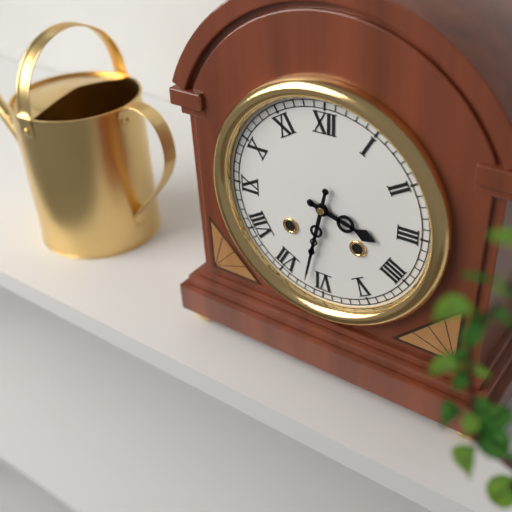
3:32
